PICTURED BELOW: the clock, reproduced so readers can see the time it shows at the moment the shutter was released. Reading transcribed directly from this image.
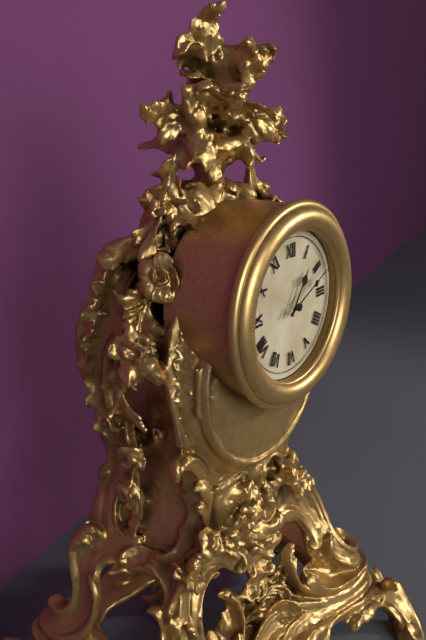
1:11
